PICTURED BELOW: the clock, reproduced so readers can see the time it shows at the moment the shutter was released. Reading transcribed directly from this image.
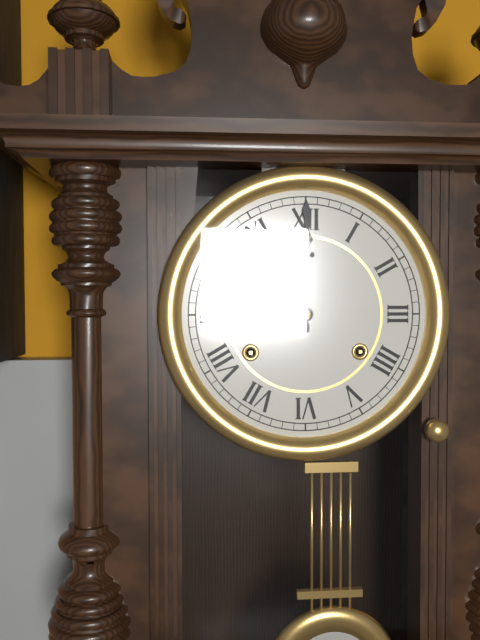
12:00
